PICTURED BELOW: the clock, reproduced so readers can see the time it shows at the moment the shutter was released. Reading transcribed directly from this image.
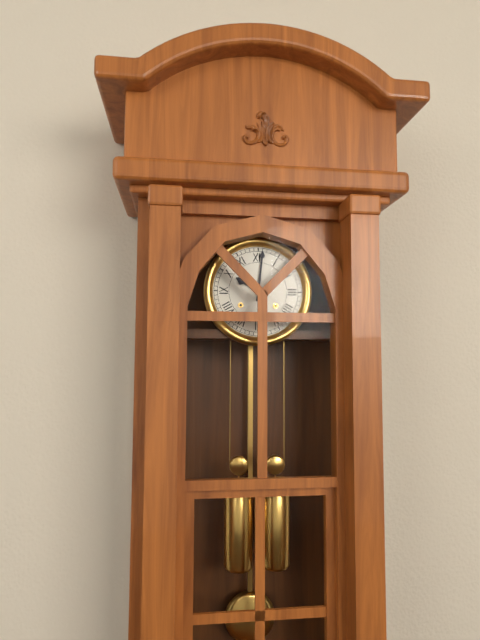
10:01
